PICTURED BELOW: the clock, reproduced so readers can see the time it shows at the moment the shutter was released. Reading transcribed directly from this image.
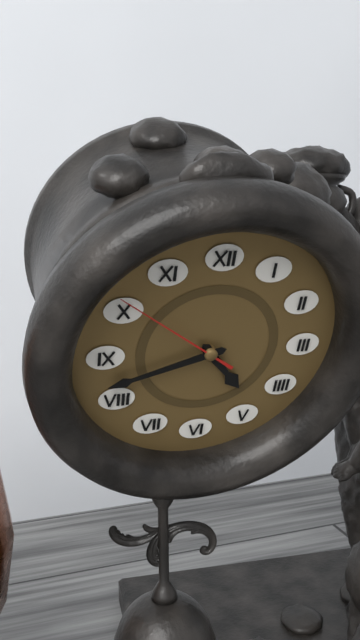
4:42:51
